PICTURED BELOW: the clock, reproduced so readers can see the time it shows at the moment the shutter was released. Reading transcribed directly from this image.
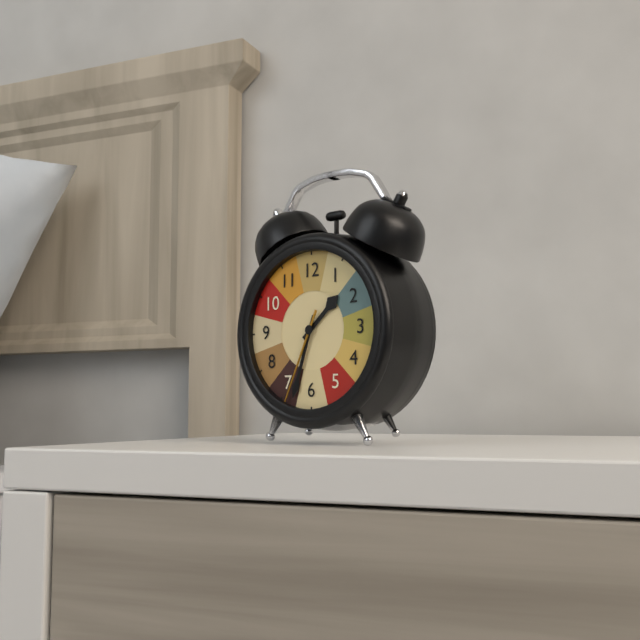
1:33:34
